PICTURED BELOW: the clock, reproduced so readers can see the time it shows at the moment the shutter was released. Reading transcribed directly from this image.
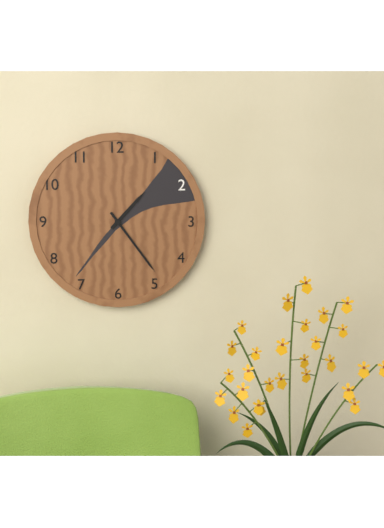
1:24
